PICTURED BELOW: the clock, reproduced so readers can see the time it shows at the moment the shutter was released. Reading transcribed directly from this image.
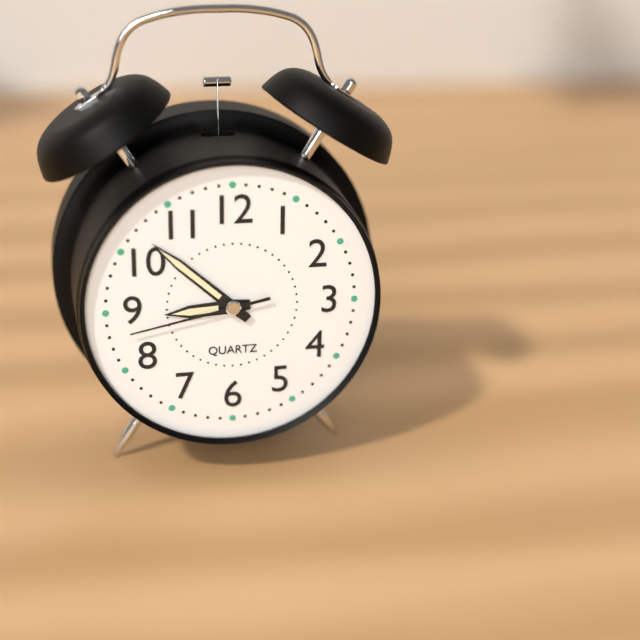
8:52:43
